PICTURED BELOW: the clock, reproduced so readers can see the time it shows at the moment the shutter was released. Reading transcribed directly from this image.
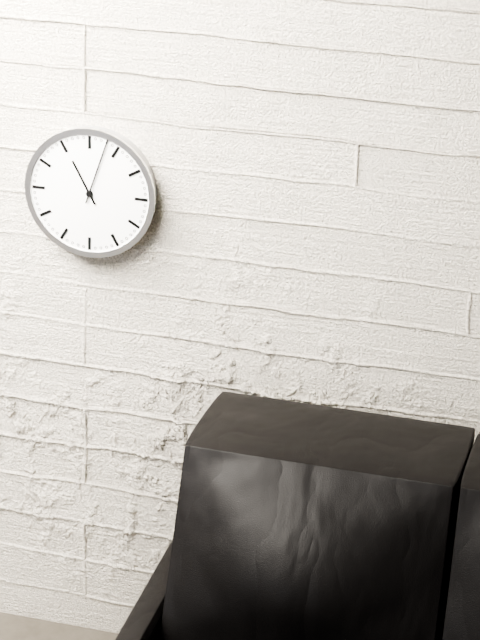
11:03
